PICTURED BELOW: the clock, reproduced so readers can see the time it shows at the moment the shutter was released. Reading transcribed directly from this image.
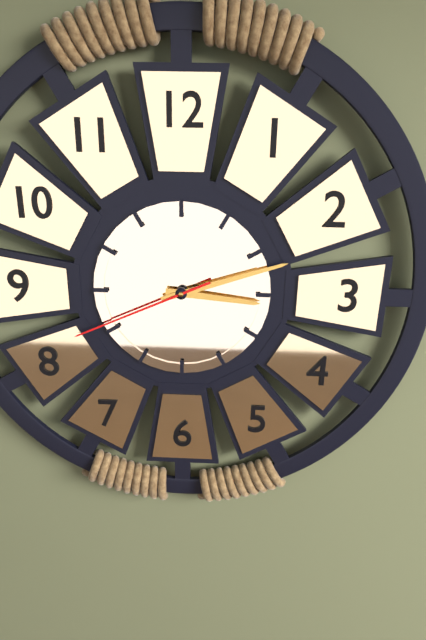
3:12:41
